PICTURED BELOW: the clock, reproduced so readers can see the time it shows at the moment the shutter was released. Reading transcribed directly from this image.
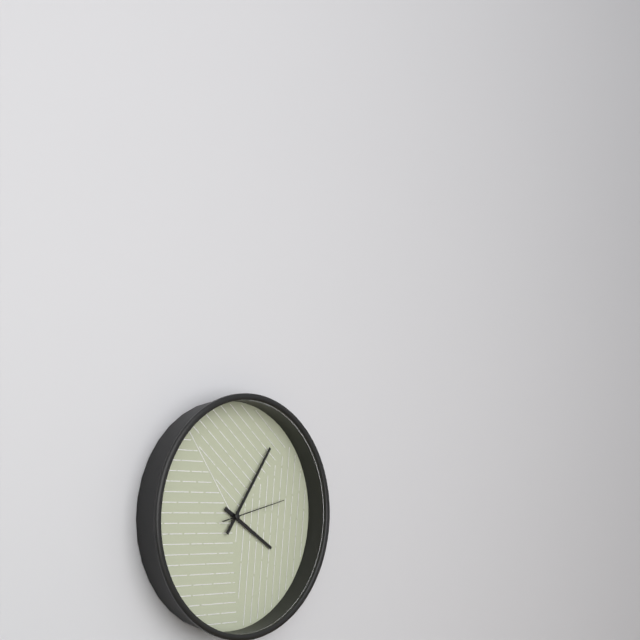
4:06:13
